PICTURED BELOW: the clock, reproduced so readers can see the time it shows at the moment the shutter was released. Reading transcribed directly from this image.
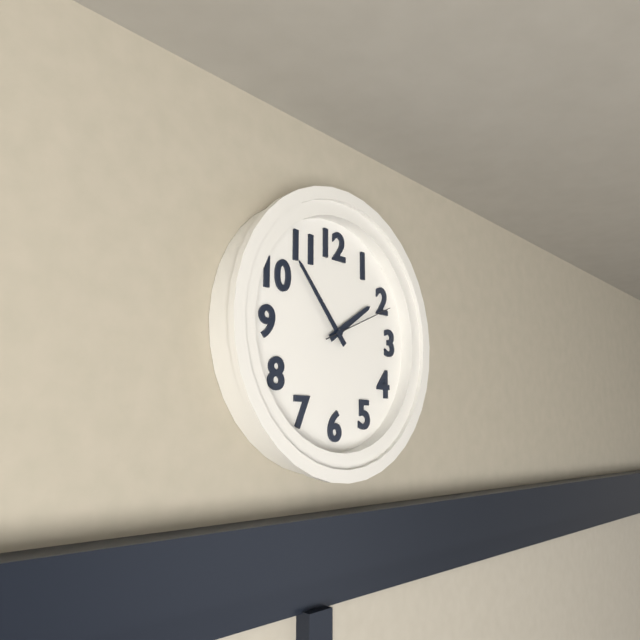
1:53:11
